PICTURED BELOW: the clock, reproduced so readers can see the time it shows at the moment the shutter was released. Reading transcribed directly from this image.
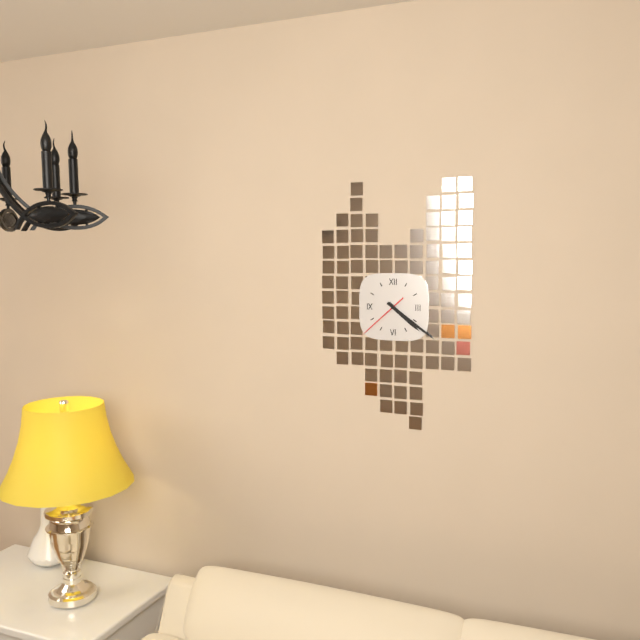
4:21:38
